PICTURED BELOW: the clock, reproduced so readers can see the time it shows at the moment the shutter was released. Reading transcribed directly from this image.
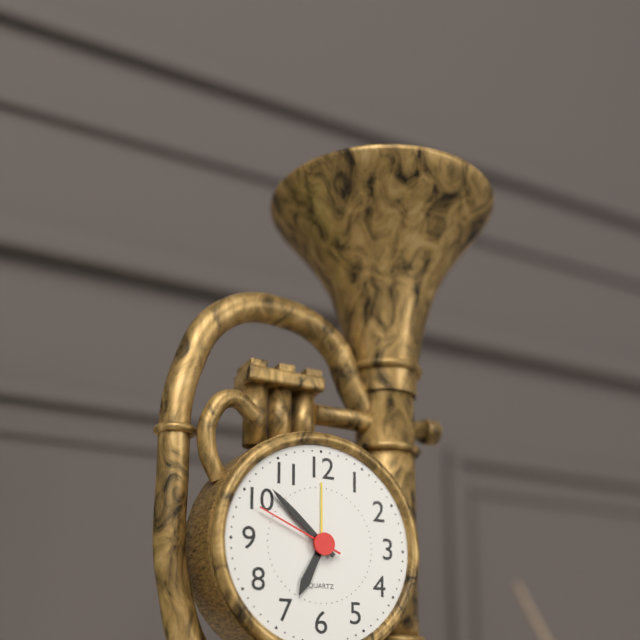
6:52:49
